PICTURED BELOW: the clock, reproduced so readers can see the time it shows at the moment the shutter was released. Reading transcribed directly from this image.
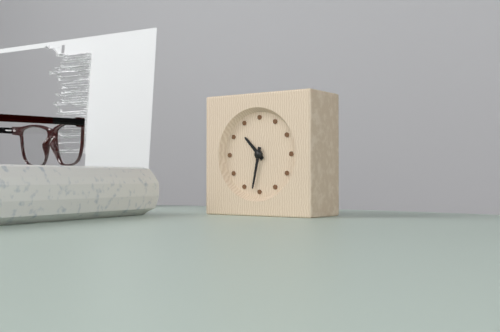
10:32
